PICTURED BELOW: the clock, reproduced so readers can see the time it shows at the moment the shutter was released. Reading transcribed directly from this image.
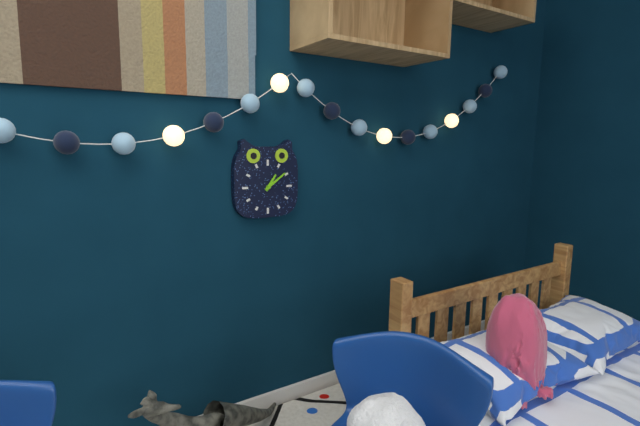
1:09
